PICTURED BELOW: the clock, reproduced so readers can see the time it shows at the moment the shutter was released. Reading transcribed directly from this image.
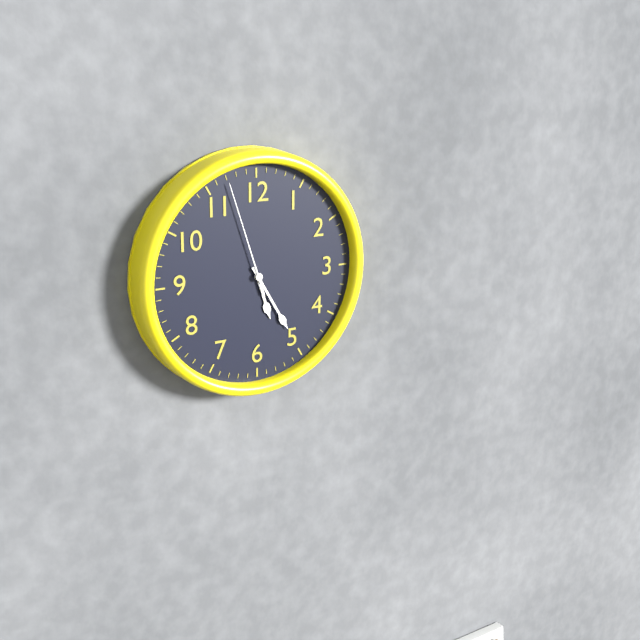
5:25:57
